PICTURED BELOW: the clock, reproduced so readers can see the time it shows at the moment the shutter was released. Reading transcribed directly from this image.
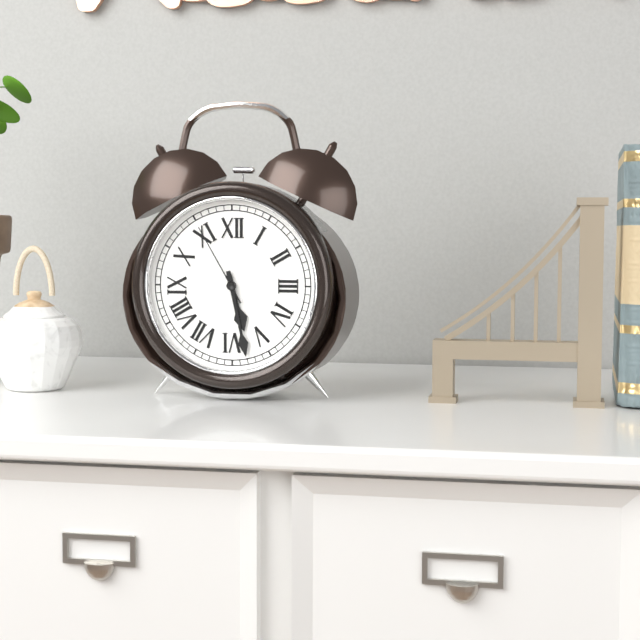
5:28:55
